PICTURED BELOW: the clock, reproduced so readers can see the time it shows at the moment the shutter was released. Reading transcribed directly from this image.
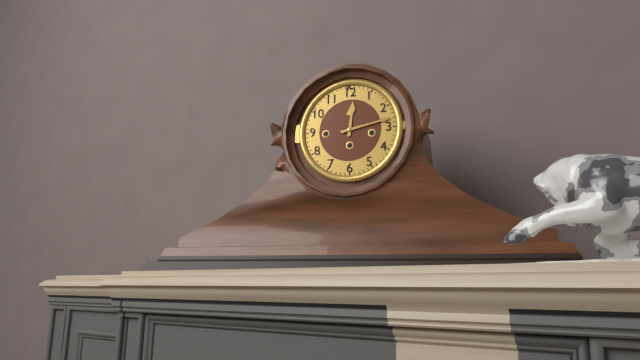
12:13
